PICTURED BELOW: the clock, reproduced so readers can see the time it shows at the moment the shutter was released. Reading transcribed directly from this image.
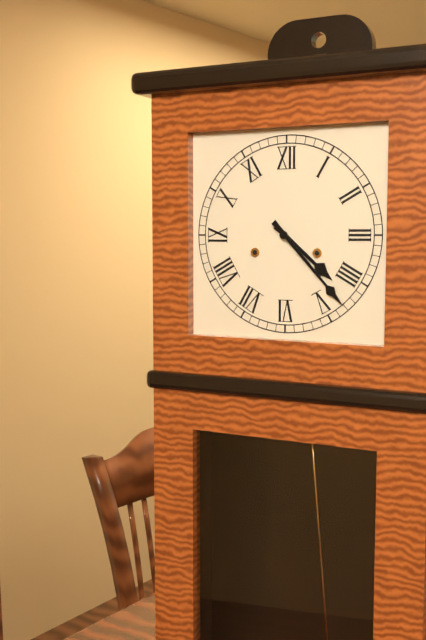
4:23
